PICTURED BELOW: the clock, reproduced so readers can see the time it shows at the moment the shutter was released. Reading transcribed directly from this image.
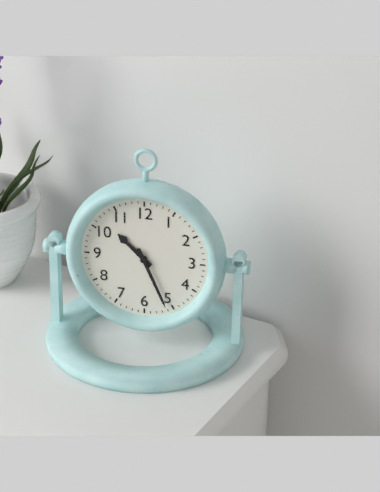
10:26
